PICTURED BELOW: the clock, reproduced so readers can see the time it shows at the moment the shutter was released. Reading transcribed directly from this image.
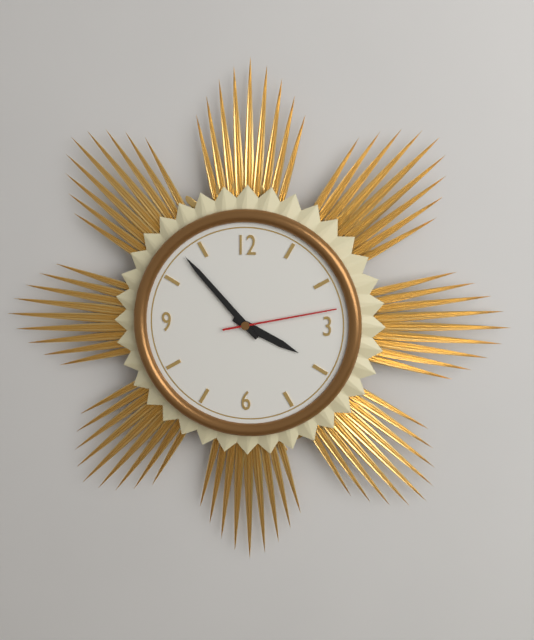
3:53:13
